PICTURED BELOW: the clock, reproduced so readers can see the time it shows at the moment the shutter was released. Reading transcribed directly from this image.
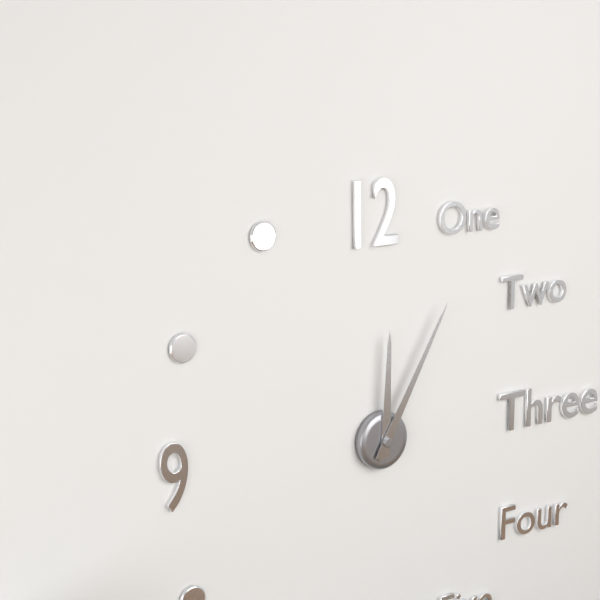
12:05
